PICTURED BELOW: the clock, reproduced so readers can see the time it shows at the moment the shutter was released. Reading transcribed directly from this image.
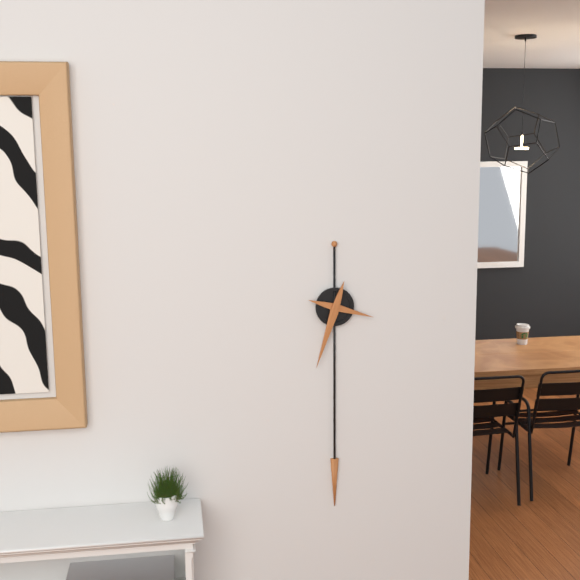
3:33
